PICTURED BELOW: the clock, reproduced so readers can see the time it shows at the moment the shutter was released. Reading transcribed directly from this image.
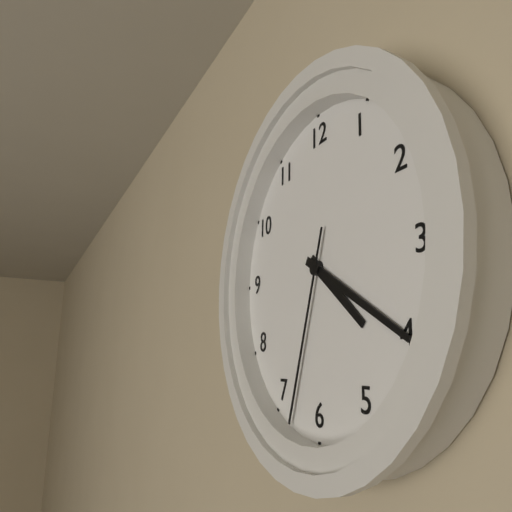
4:20:33
